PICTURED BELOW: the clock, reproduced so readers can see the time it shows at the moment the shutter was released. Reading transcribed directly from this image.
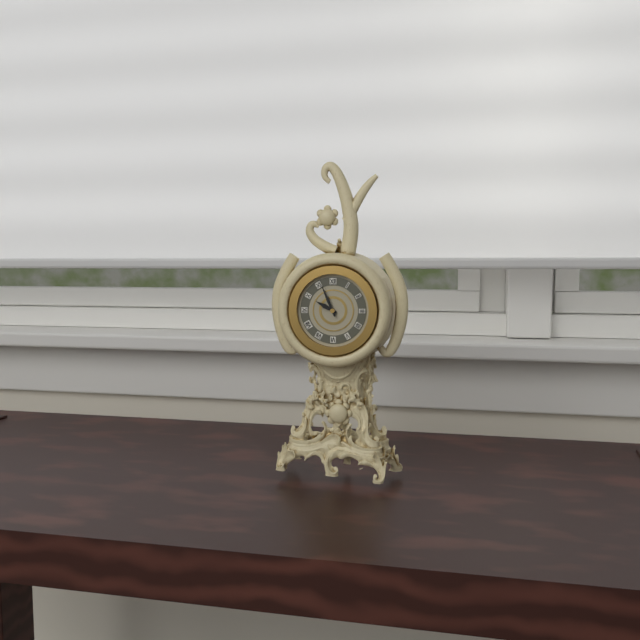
9:56
